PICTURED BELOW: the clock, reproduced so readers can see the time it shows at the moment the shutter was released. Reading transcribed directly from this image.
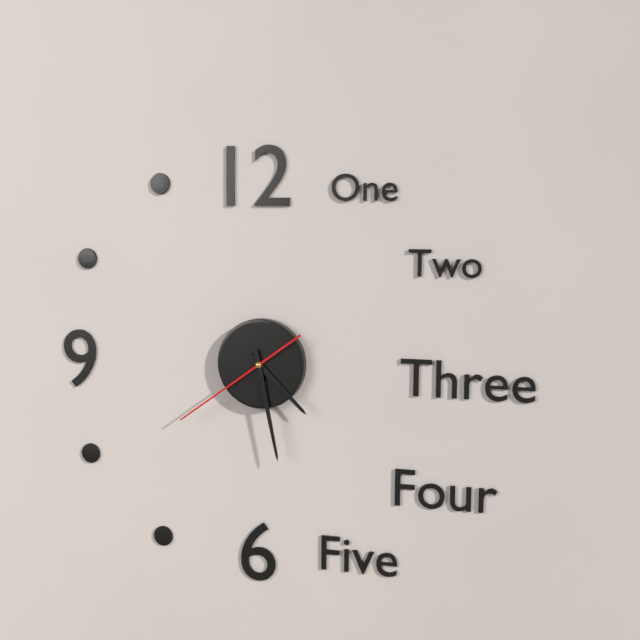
4:28:39
